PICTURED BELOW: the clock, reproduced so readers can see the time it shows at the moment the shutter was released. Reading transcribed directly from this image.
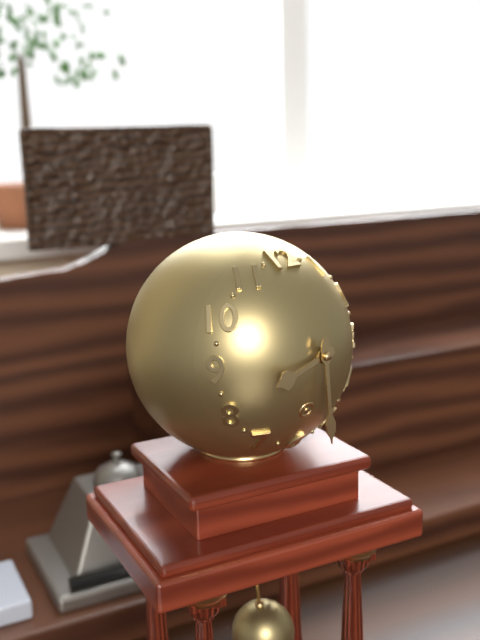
8:30
